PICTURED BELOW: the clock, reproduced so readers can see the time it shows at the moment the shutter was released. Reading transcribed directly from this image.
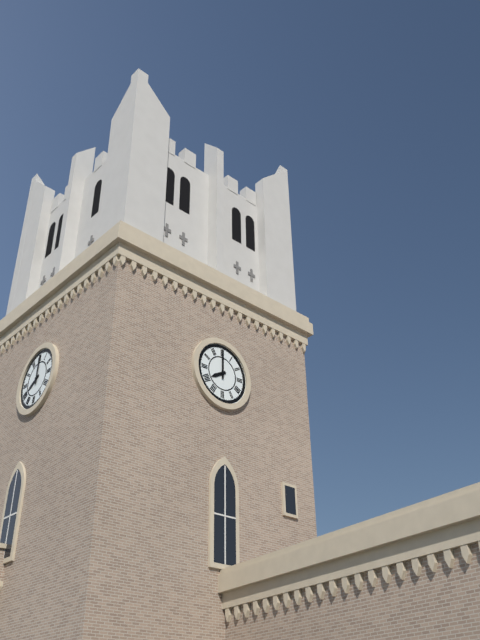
8:00
